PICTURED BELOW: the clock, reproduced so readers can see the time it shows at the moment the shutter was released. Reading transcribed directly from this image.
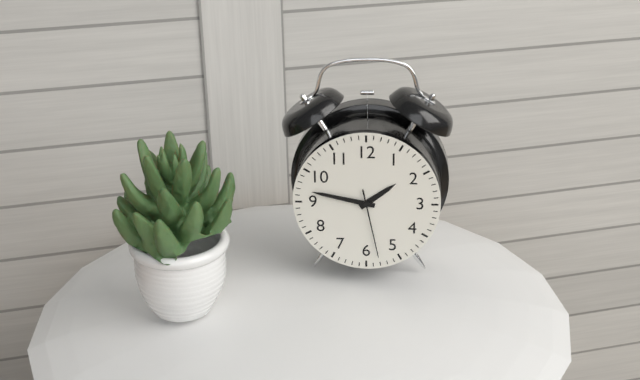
1:47:28
